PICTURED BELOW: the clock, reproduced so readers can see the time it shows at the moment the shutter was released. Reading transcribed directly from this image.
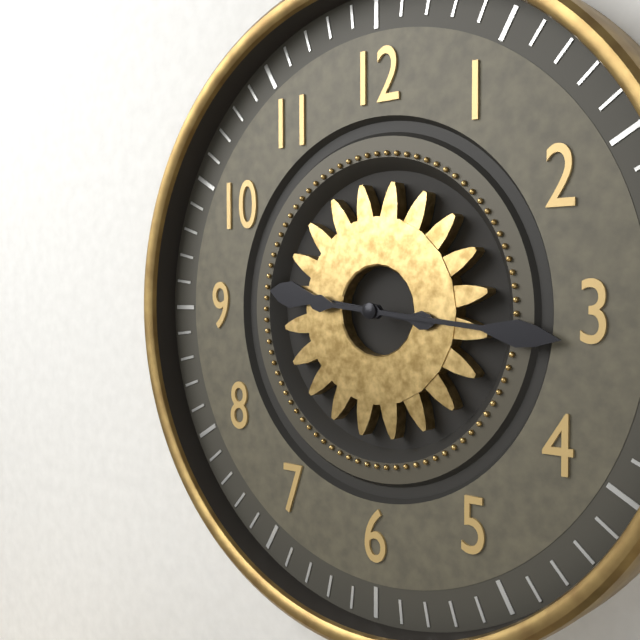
9:16
